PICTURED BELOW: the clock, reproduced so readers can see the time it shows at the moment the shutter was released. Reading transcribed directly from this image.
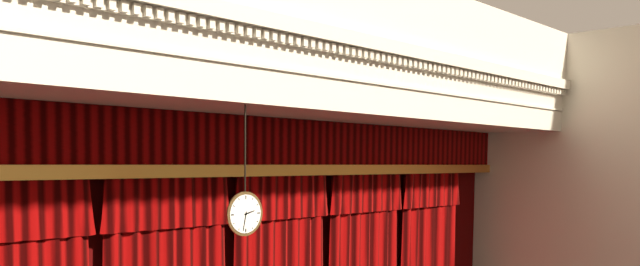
2:32
